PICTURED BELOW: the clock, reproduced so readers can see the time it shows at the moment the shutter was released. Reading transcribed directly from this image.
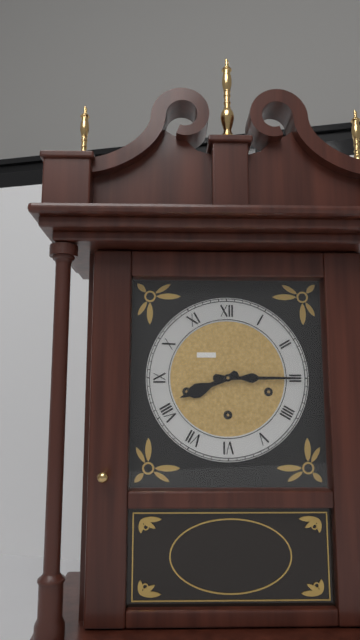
8:15
